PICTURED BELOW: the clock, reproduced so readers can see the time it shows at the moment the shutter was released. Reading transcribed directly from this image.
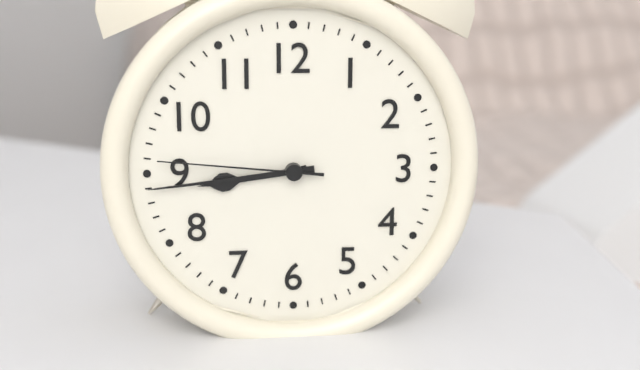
8:44:46
